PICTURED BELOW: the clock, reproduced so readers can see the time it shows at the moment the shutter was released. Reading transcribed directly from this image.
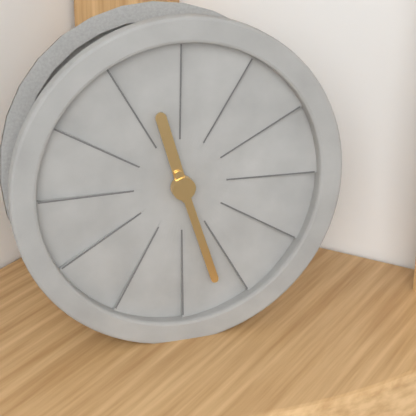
11:27
